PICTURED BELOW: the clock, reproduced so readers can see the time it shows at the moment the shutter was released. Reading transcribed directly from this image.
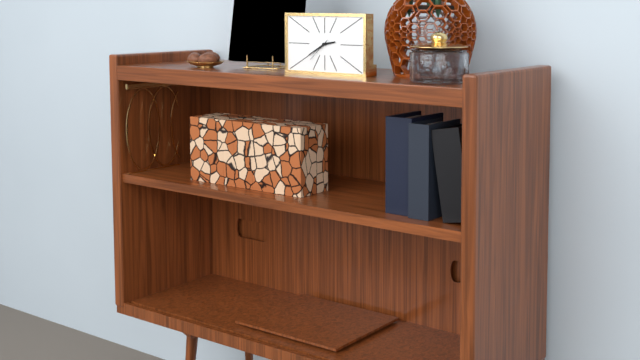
2:40
